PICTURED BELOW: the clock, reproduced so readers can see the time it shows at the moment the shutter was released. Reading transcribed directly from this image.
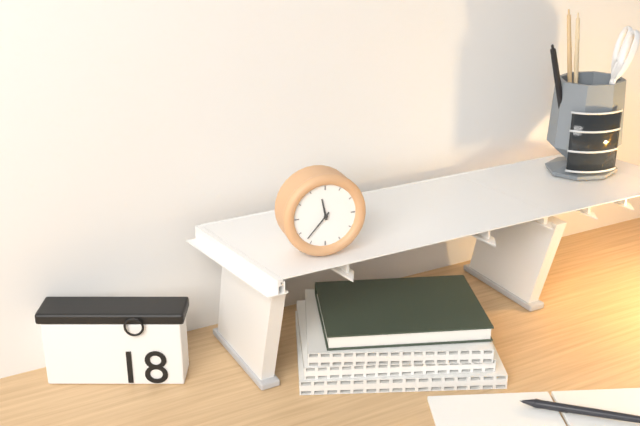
11:37
